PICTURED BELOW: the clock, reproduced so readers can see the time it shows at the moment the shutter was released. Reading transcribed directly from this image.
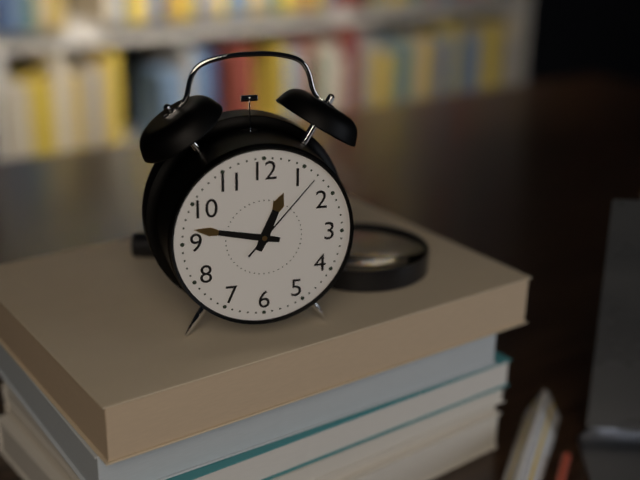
12:47:07
